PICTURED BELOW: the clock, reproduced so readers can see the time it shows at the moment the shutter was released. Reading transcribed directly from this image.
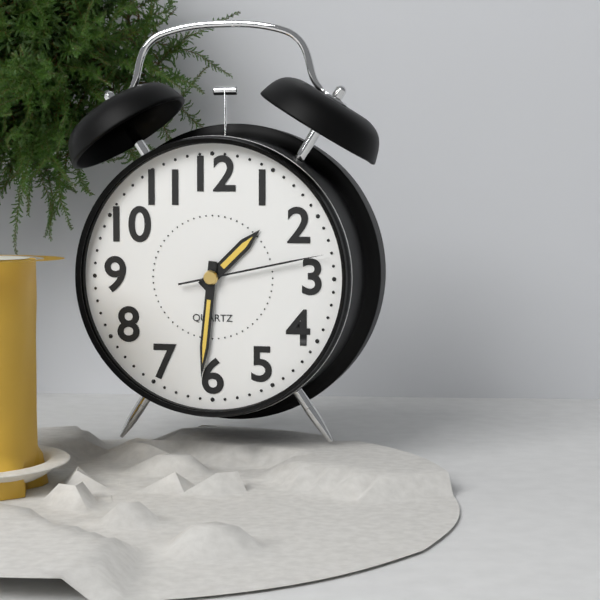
1:31:13
